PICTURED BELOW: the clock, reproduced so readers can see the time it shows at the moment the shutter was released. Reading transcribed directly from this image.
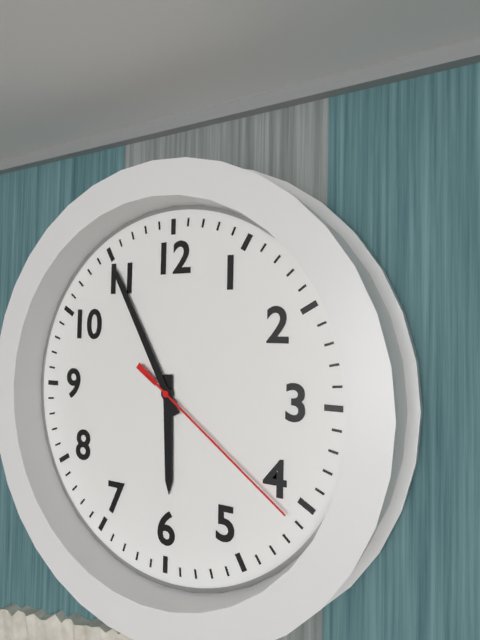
5:55:21
